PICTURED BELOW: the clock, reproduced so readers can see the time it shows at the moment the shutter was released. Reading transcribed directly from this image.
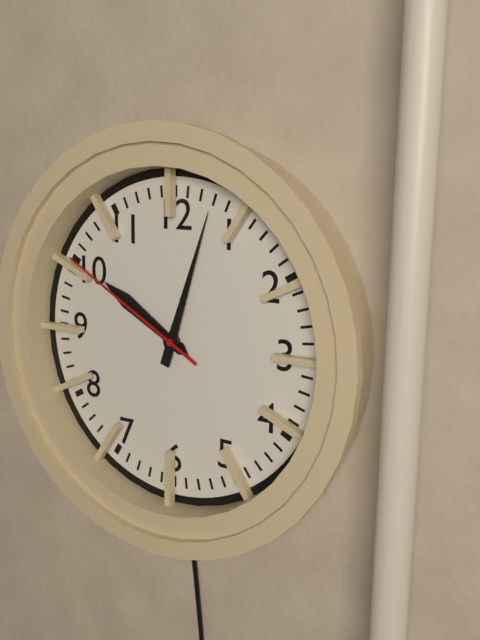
10:03:50
